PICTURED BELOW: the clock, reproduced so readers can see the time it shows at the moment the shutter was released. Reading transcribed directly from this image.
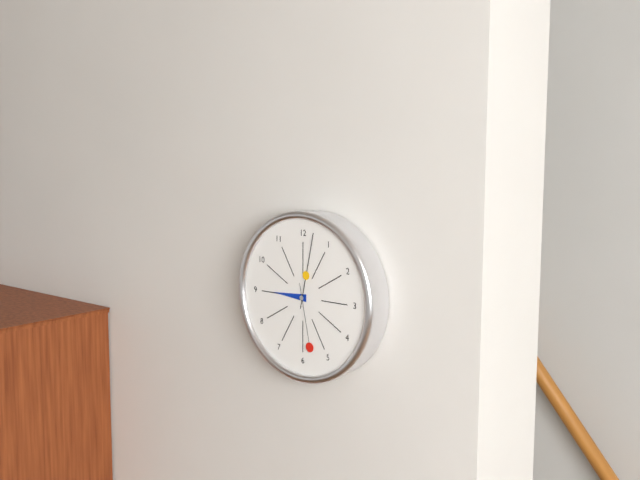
9:02:28
